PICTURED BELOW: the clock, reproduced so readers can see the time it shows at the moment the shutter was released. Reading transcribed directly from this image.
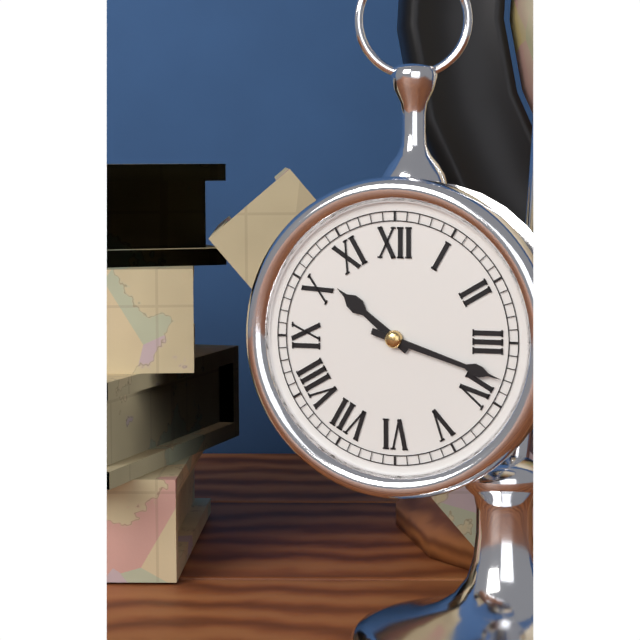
10:18
